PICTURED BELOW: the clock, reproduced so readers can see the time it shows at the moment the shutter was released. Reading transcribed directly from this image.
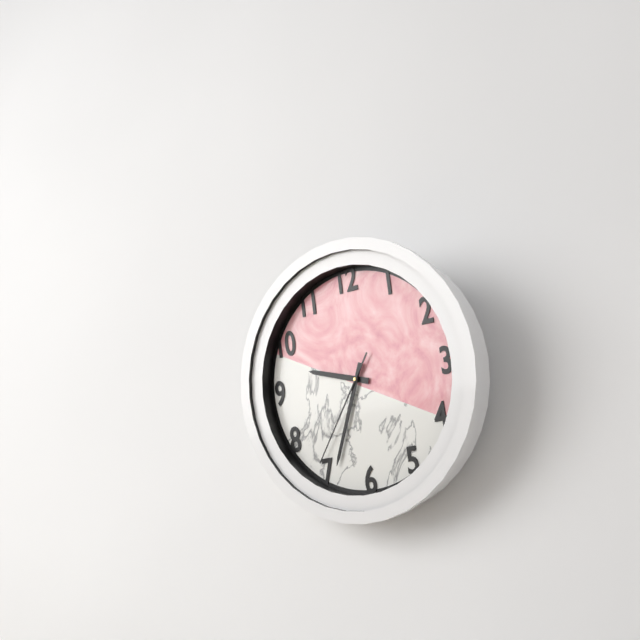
9:34:36
